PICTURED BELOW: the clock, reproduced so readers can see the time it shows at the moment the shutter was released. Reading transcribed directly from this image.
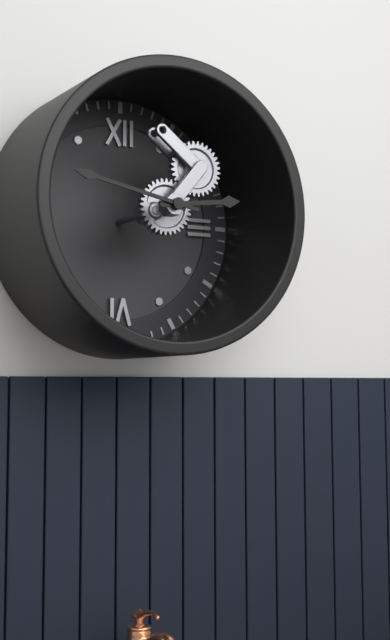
2:47
